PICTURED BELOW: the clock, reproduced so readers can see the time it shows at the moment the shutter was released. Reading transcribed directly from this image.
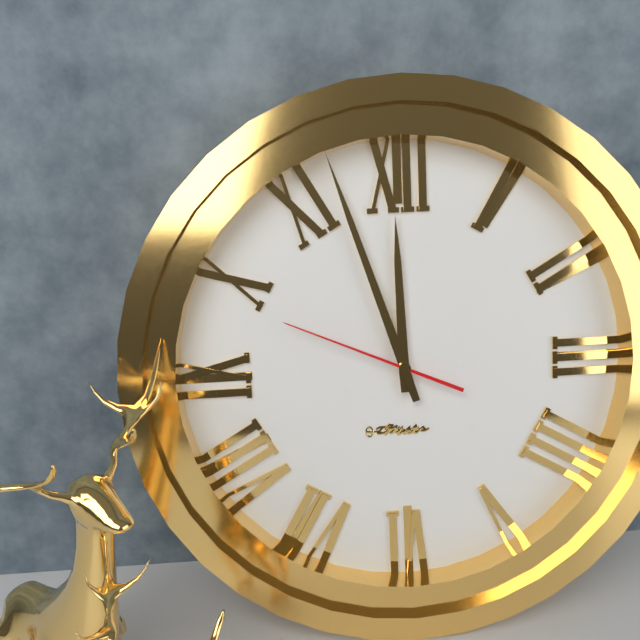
11:57:49
